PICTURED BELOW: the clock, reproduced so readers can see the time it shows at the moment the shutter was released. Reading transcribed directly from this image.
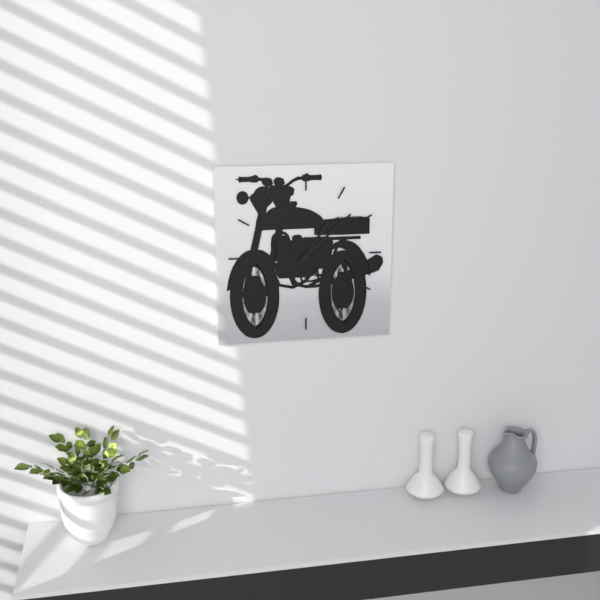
1:08
